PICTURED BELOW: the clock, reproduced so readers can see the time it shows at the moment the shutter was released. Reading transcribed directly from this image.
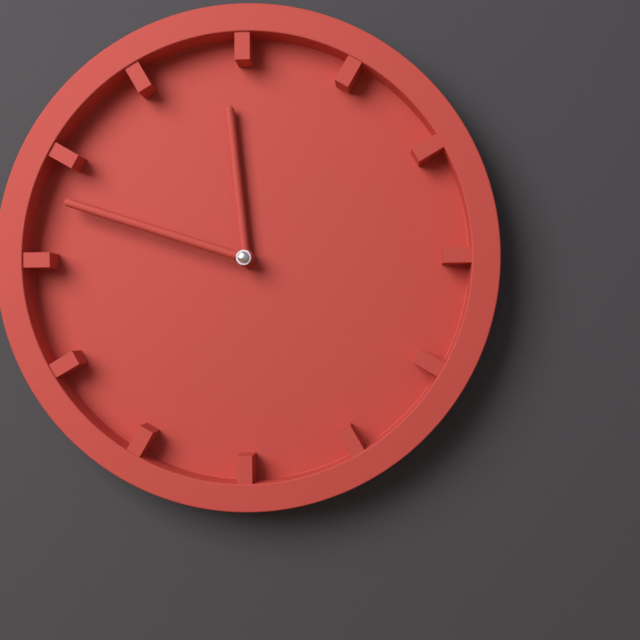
11:48
